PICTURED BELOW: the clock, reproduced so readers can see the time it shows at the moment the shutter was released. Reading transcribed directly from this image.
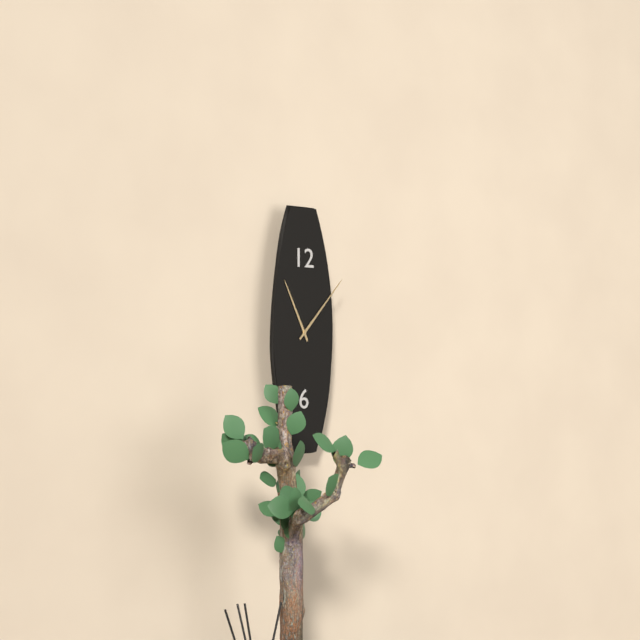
11:07
